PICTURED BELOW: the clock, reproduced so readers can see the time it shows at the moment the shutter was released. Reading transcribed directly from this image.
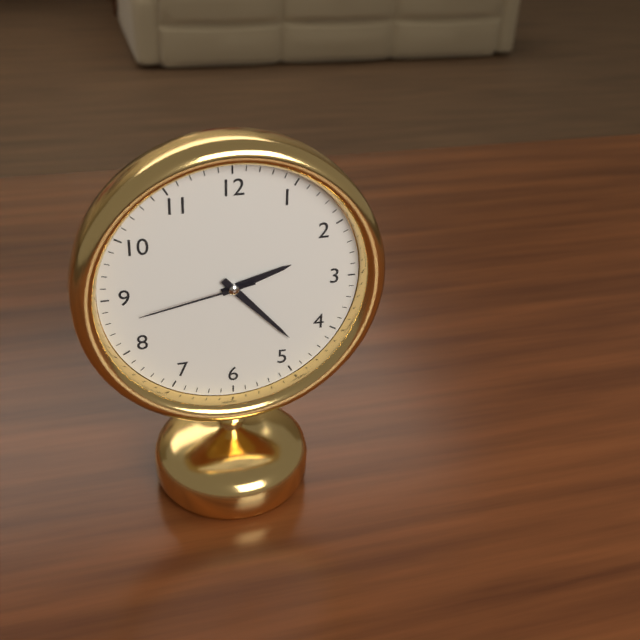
2:23:43
